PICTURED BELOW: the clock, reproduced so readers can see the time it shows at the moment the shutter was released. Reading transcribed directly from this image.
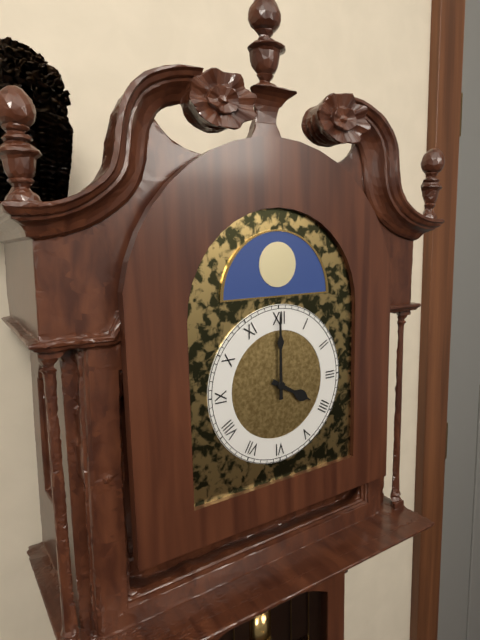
4:00
